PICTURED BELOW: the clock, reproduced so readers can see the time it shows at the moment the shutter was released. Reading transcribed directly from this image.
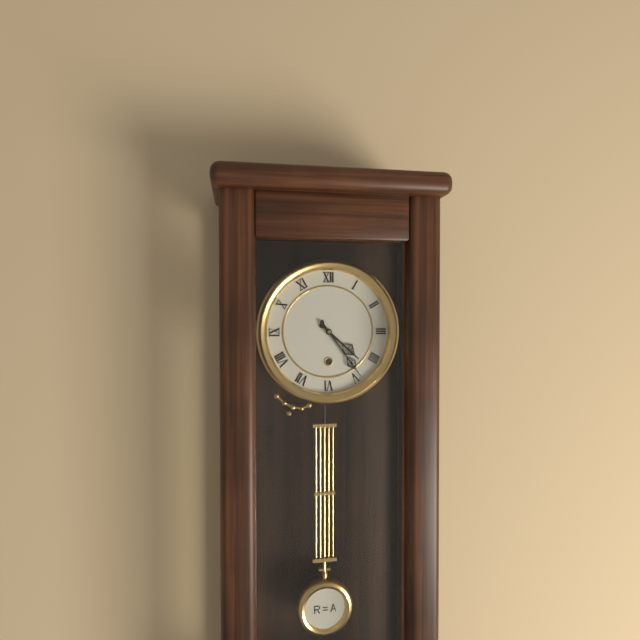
4:24
